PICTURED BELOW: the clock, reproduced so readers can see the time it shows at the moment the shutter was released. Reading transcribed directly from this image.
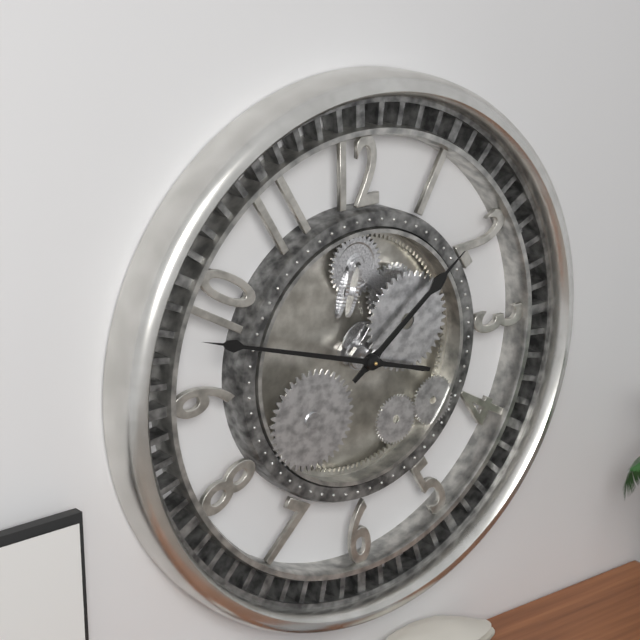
1:48
